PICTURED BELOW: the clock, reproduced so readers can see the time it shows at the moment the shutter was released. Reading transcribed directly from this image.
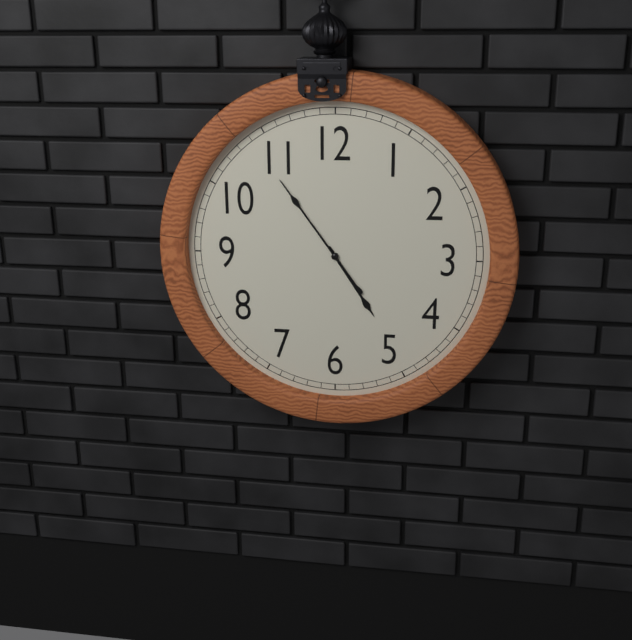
4:54
